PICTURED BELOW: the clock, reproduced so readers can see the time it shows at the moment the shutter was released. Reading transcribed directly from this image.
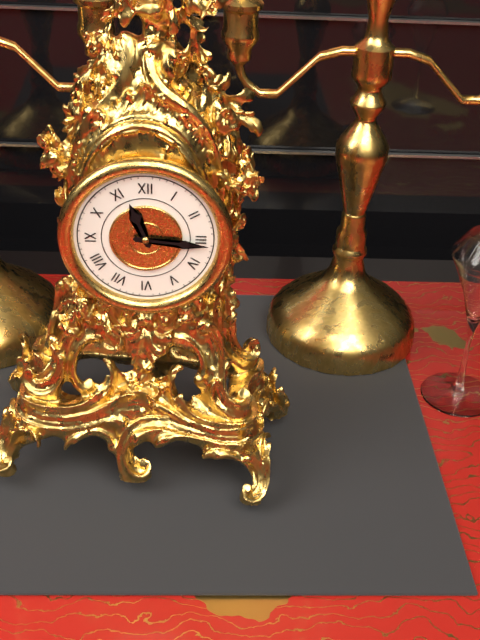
11:16
